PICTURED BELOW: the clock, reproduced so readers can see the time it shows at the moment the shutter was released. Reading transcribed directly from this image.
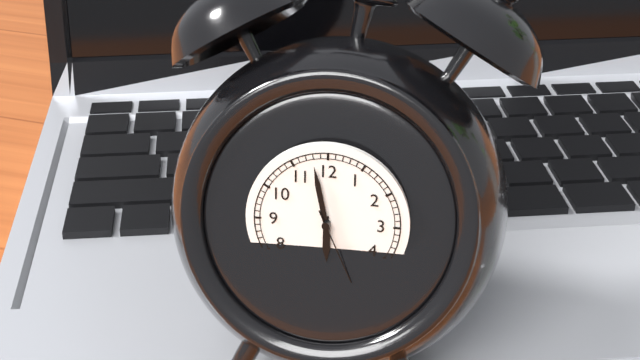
5:58:26
